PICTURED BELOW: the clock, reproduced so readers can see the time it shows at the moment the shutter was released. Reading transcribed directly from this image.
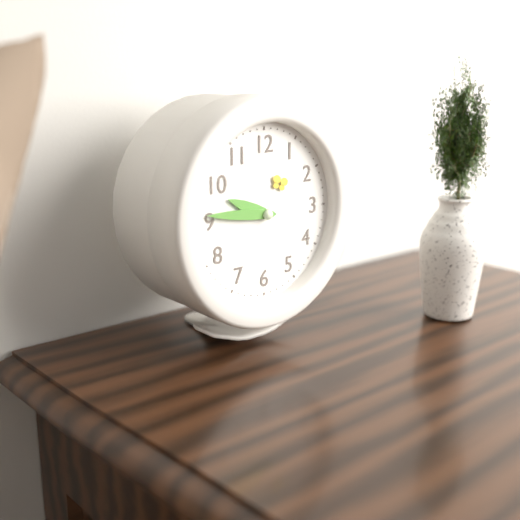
9:46
